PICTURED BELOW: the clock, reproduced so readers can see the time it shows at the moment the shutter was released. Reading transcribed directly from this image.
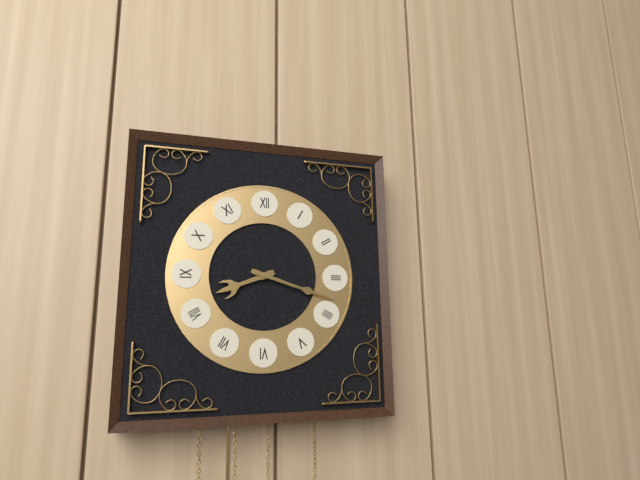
8:18
